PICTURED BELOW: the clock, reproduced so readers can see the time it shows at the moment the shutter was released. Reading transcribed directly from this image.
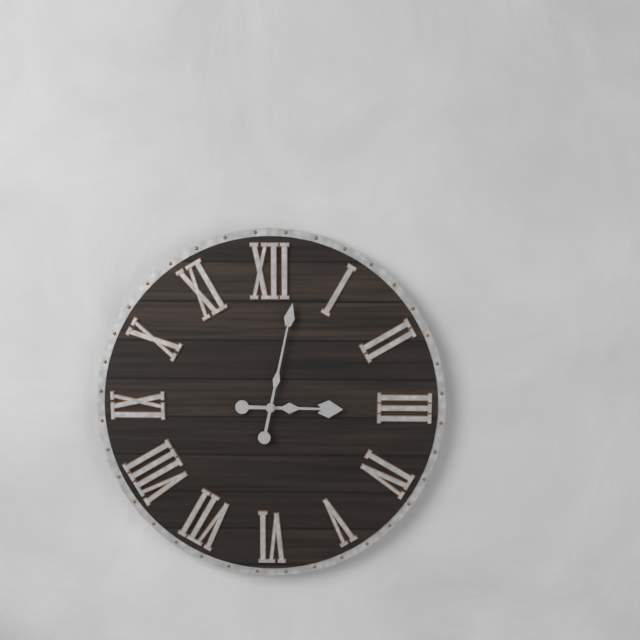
3:02
